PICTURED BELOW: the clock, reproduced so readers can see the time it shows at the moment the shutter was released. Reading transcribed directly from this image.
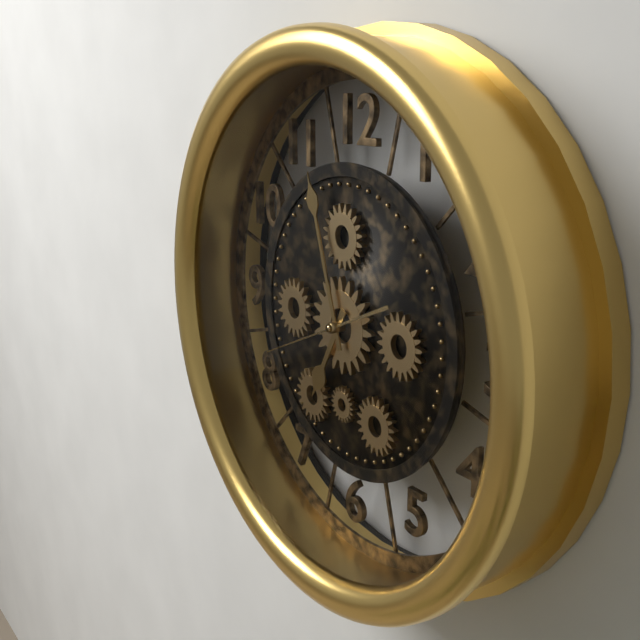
6:57:41
